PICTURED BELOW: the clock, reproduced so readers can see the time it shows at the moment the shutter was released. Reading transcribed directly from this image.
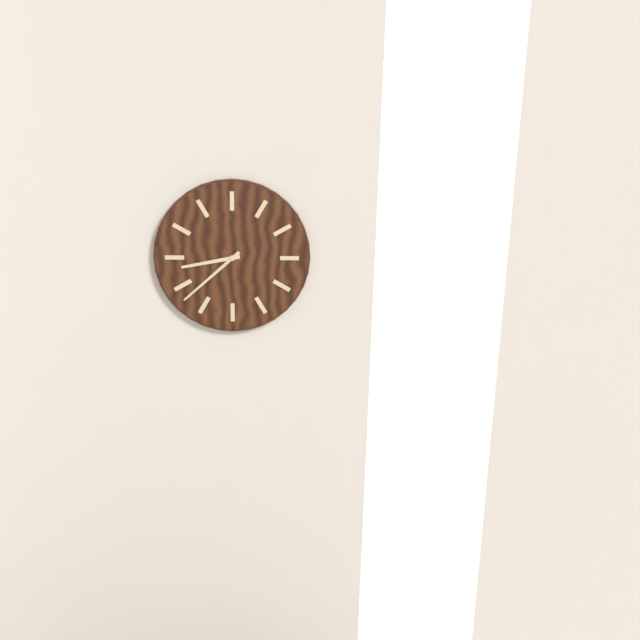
8:38
